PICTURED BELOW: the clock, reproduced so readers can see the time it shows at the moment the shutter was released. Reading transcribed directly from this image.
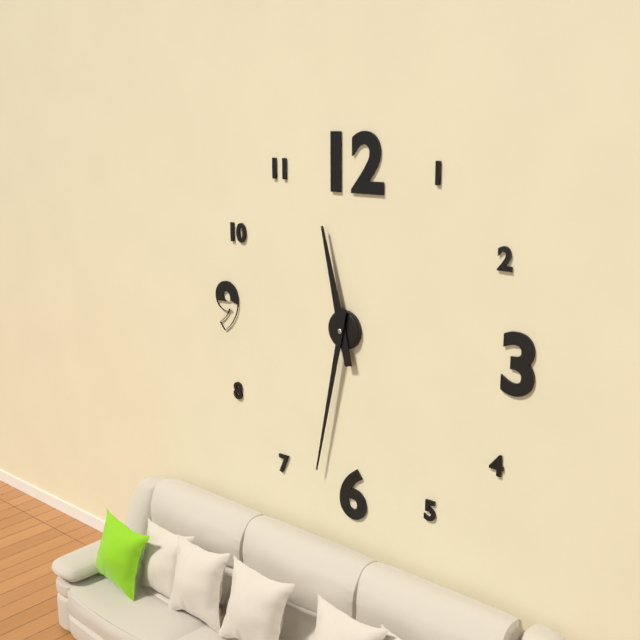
11:32
